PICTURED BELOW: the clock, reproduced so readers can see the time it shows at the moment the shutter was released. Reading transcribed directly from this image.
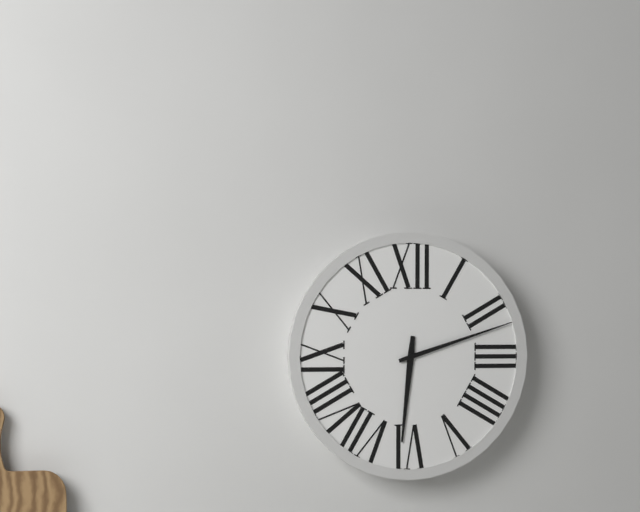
6:12
